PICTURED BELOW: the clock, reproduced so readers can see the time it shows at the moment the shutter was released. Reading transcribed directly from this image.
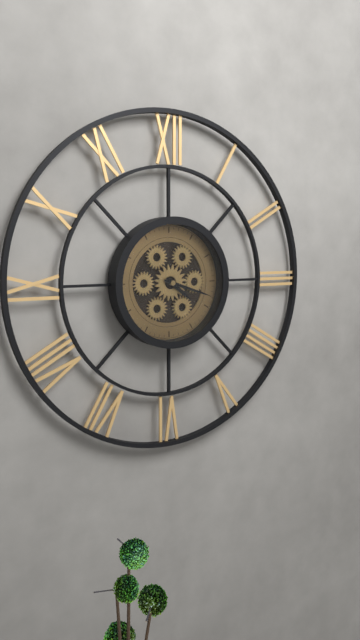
4:18
